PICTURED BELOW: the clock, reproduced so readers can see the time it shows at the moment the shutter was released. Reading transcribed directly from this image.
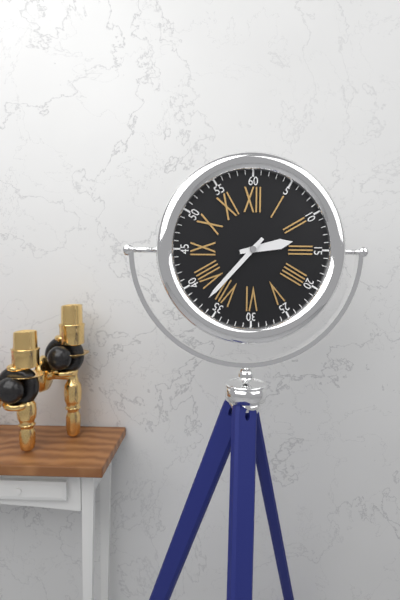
2:37
